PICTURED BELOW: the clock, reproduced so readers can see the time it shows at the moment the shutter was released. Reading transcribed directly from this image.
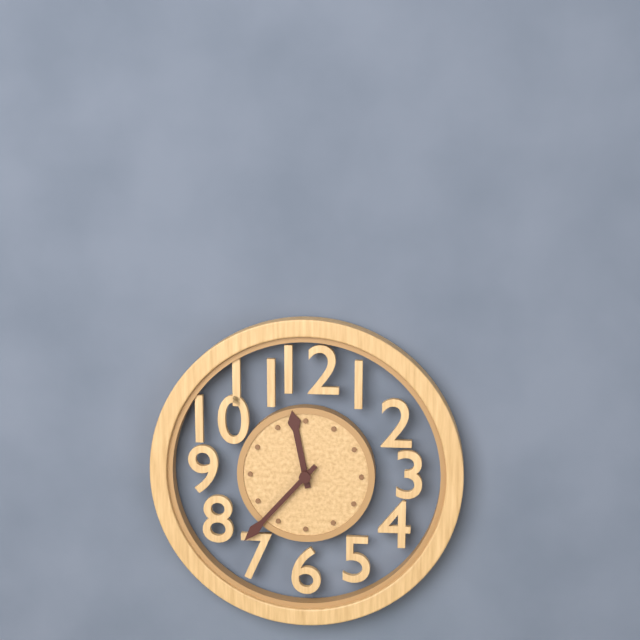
11:37
